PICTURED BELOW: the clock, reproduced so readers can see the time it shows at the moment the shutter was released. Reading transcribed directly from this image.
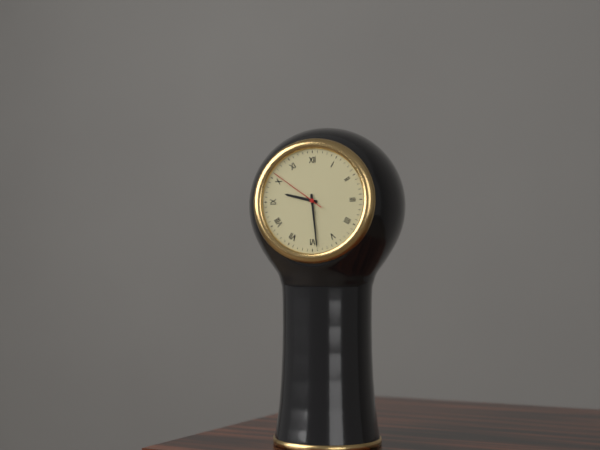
9:29:51
